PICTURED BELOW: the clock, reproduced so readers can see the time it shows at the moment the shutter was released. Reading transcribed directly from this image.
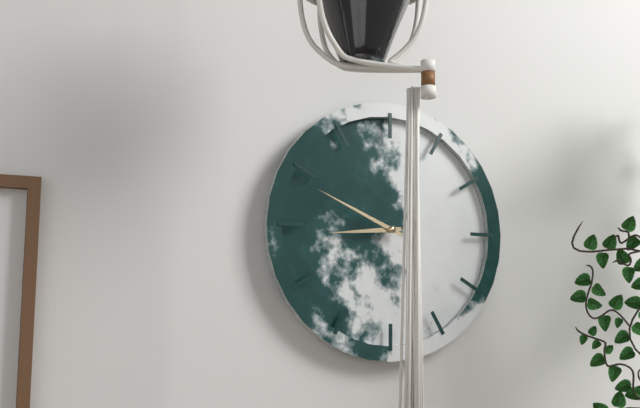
8:49
